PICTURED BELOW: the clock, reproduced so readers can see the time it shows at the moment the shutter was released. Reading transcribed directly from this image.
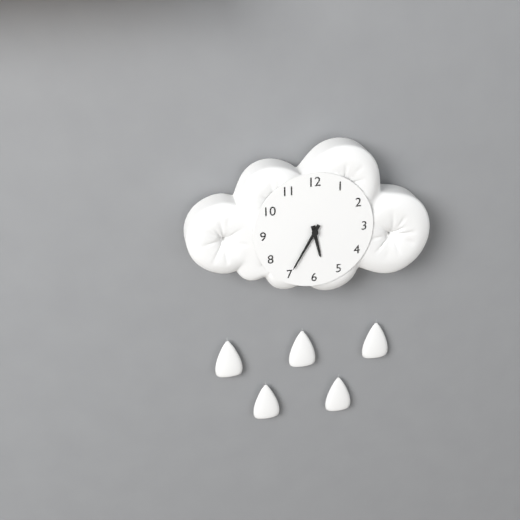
5:35
